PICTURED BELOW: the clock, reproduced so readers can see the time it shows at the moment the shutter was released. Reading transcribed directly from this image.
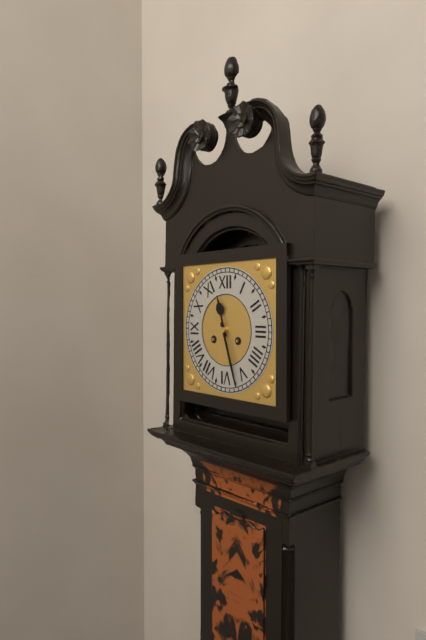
11:27
